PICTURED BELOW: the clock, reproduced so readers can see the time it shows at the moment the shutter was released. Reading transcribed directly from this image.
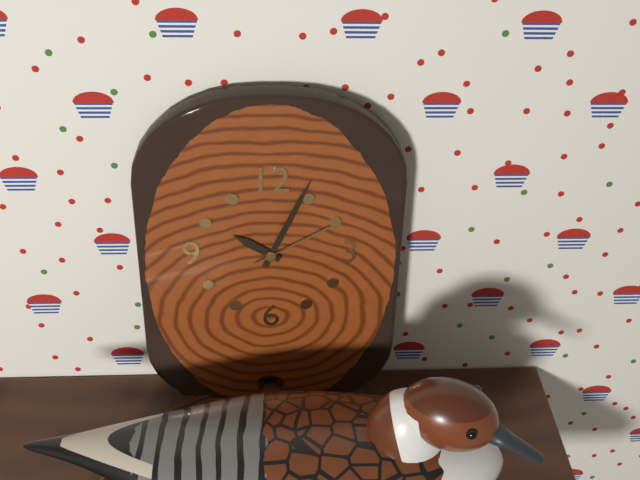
10:04:10
